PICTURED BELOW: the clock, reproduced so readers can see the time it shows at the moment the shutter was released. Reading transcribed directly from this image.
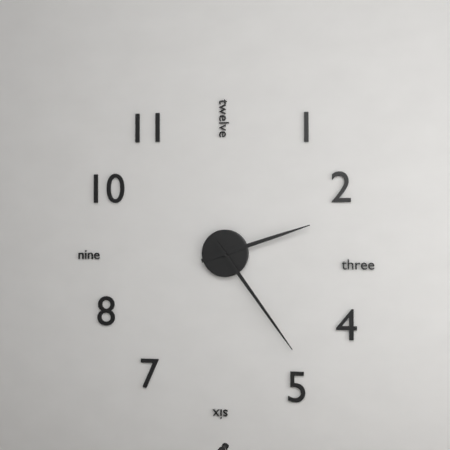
2:24
